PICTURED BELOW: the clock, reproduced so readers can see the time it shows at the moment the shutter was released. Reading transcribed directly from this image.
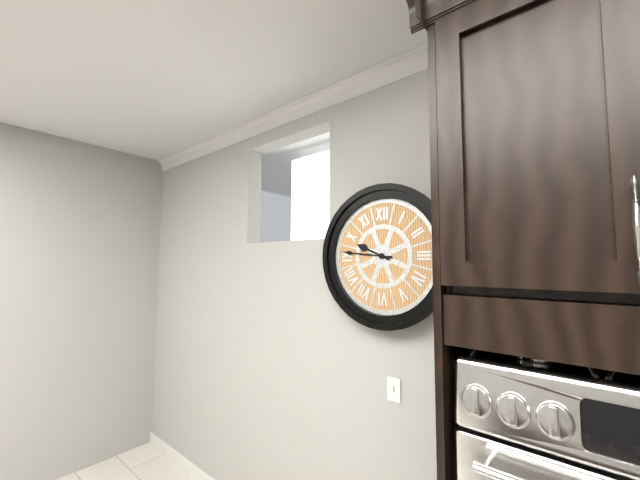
9:46
